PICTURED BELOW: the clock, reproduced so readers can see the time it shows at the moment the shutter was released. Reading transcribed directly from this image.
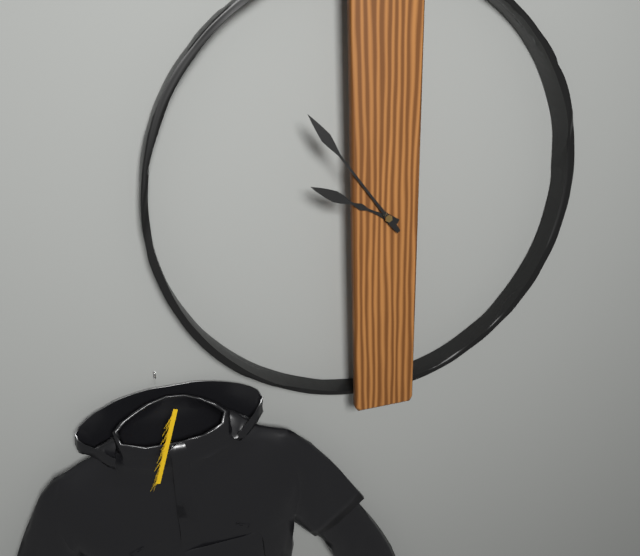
9:54
